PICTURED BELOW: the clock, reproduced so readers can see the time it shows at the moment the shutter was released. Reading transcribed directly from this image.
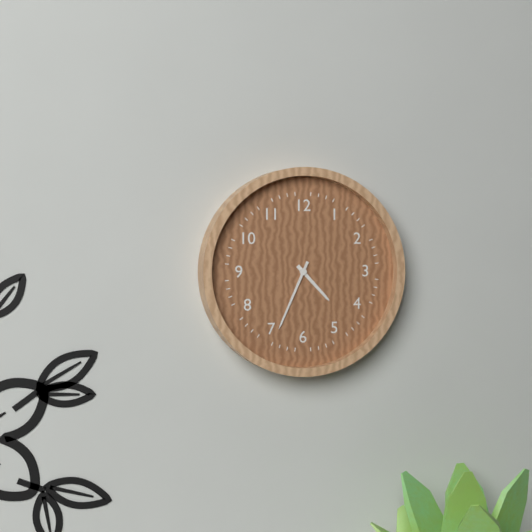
4:34
